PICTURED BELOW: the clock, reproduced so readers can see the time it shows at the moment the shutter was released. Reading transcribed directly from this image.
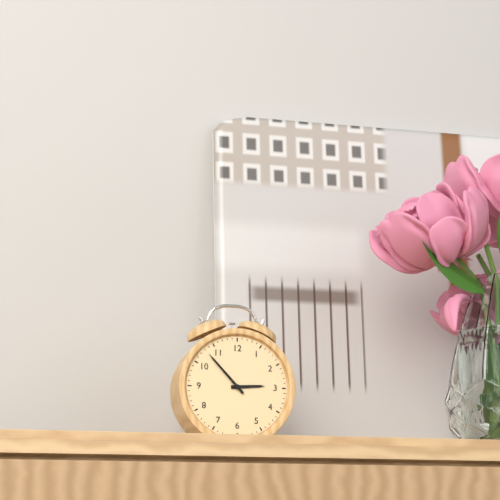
2:53
